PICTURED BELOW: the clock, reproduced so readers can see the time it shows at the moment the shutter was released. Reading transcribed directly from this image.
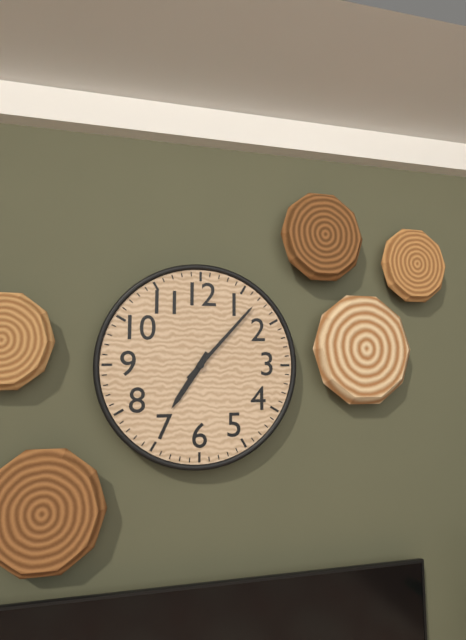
7:07
